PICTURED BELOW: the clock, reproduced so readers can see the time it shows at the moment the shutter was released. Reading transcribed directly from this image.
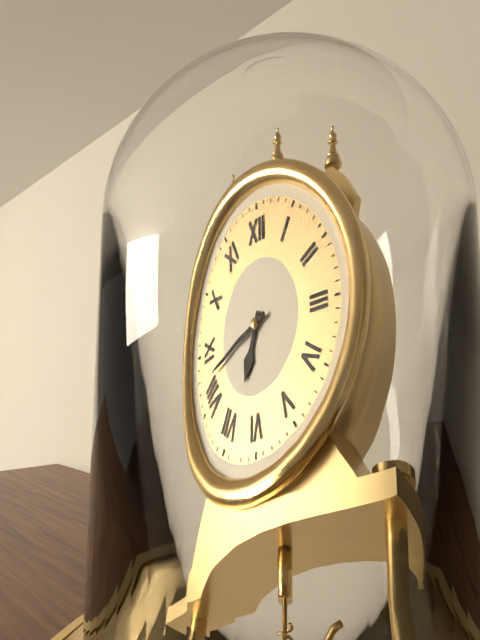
6:42
